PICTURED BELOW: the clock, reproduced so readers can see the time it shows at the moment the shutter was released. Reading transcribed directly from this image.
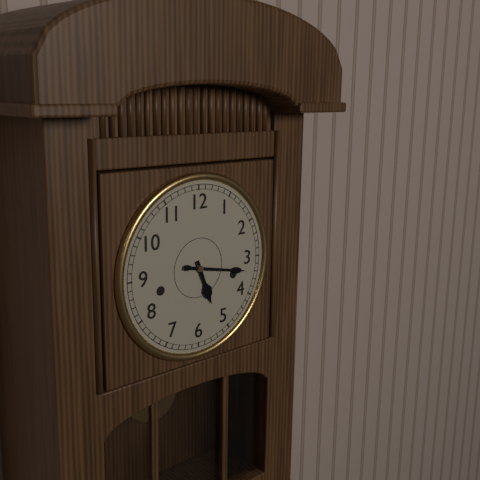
5:17
